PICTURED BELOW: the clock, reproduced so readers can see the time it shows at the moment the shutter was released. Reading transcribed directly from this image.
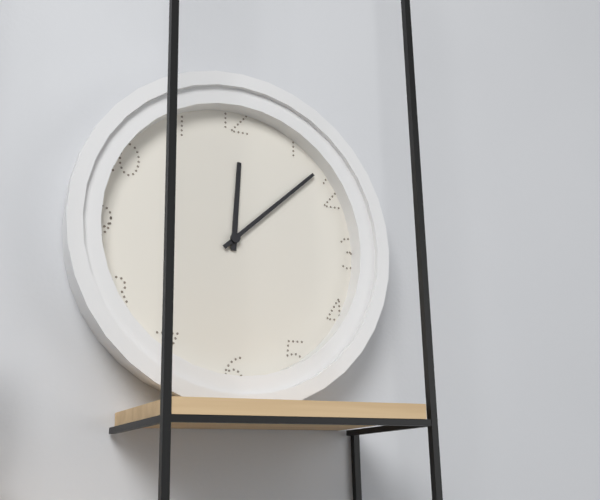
12:08
